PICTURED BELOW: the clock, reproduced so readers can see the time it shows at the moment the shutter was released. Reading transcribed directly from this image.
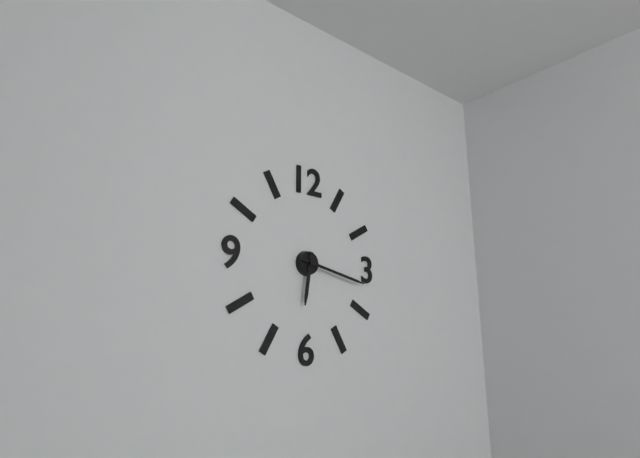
6:17
